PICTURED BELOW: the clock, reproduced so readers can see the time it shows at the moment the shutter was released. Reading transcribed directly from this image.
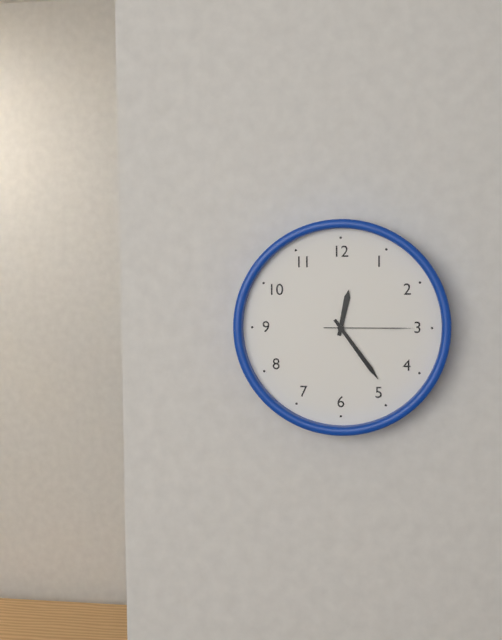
12:24:15
